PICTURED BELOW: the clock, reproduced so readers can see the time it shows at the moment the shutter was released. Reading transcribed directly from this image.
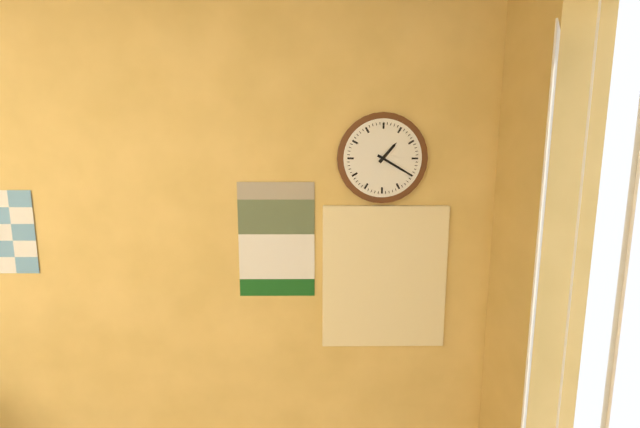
1:20
